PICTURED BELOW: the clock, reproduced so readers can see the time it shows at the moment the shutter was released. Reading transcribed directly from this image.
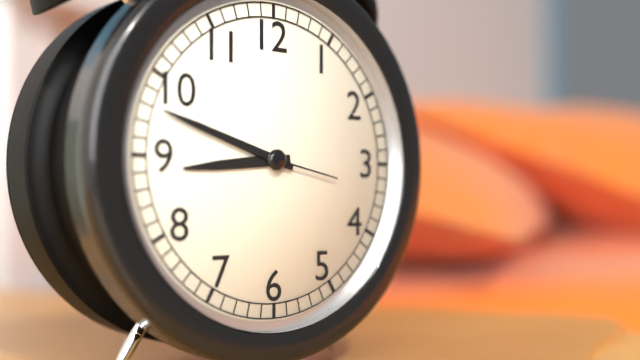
8:48:17
